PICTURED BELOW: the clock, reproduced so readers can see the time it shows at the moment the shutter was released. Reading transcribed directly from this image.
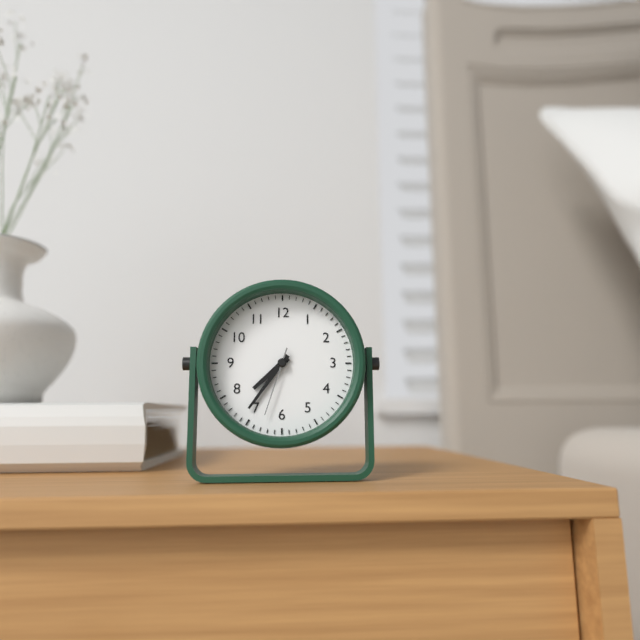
7:36:33
